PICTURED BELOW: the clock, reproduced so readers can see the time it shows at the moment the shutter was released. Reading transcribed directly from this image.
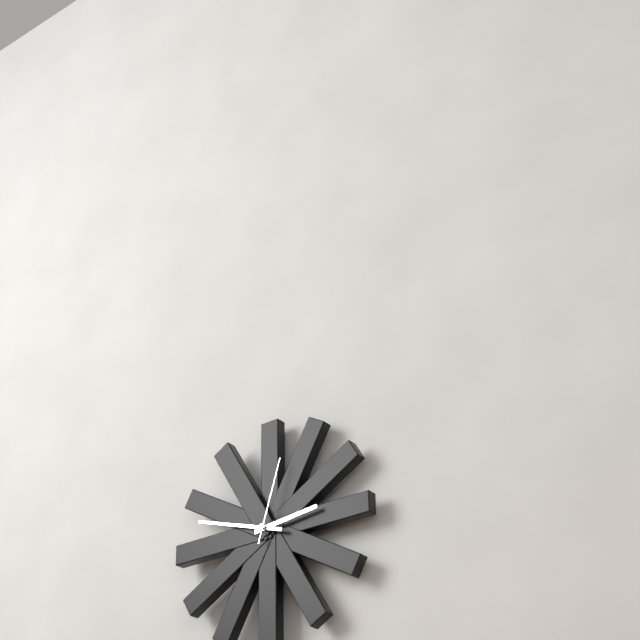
2:48:03
